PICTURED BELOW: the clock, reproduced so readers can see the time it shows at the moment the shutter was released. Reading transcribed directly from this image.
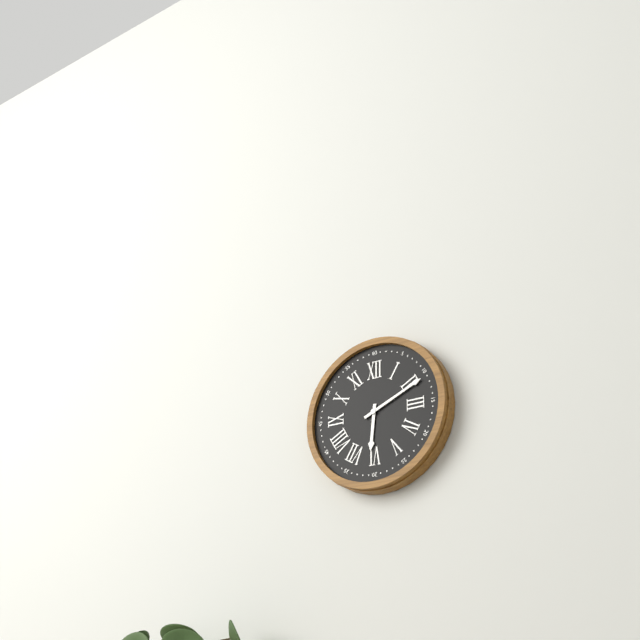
6:11
